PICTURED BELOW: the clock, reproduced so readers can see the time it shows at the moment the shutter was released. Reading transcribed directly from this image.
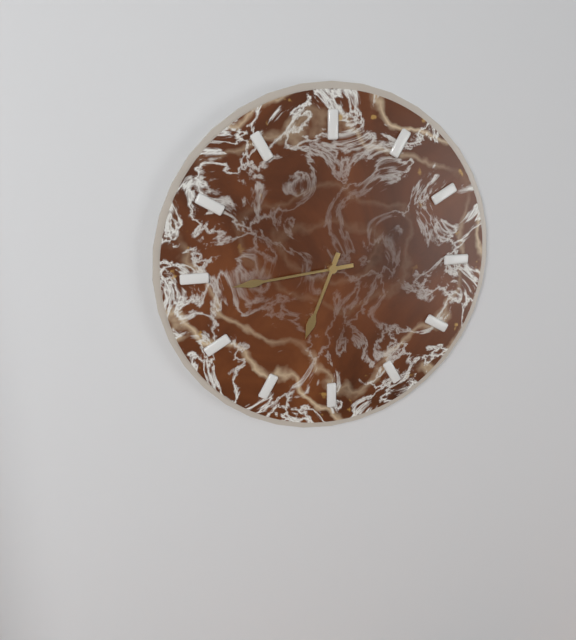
6:44
